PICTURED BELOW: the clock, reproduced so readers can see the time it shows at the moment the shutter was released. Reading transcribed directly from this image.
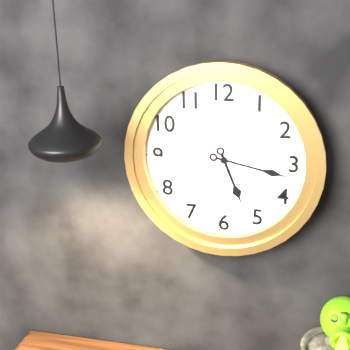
5:17
